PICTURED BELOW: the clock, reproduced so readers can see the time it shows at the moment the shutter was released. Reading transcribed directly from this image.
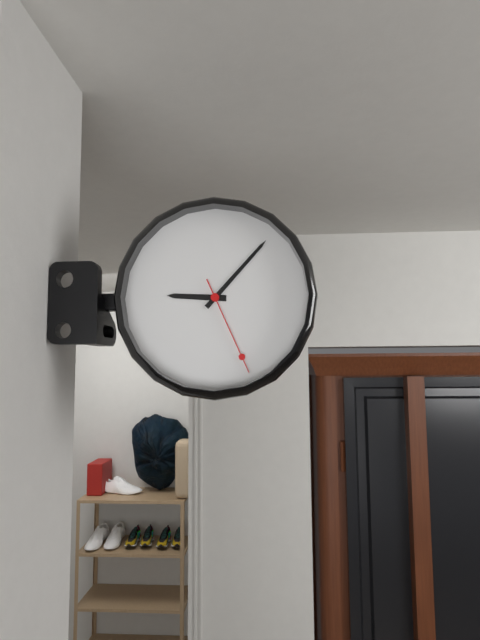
9:07:26
